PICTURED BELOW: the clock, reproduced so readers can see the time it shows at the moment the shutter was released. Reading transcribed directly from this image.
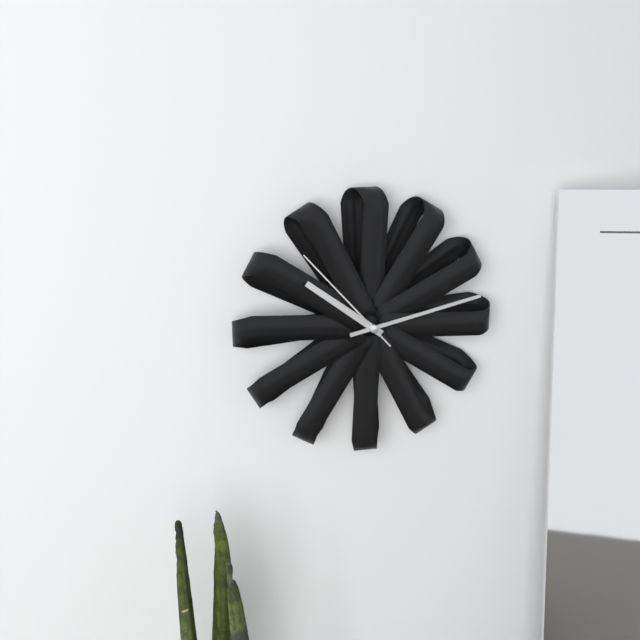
10:13:53
